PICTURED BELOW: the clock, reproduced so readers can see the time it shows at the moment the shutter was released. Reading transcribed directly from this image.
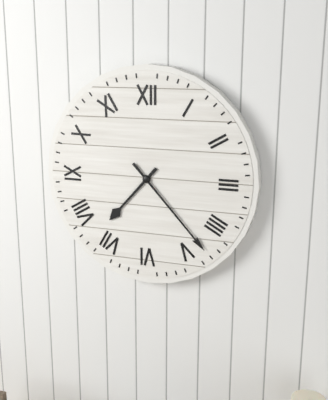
7:23
